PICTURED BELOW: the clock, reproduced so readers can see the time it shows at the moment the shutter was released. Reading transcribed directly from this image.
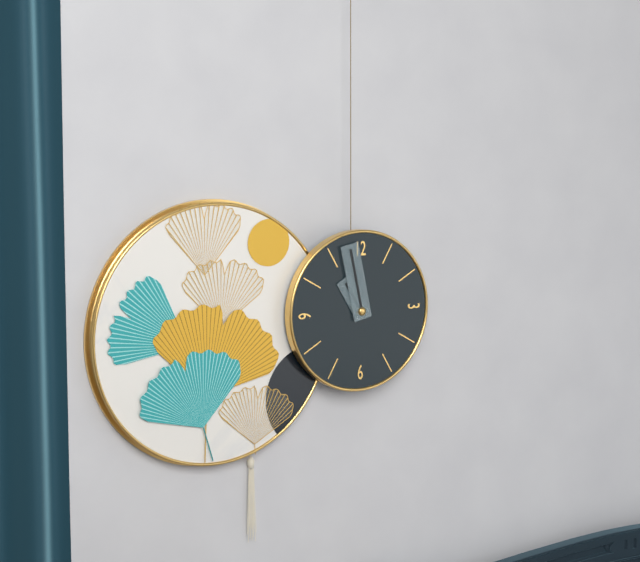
10:58
